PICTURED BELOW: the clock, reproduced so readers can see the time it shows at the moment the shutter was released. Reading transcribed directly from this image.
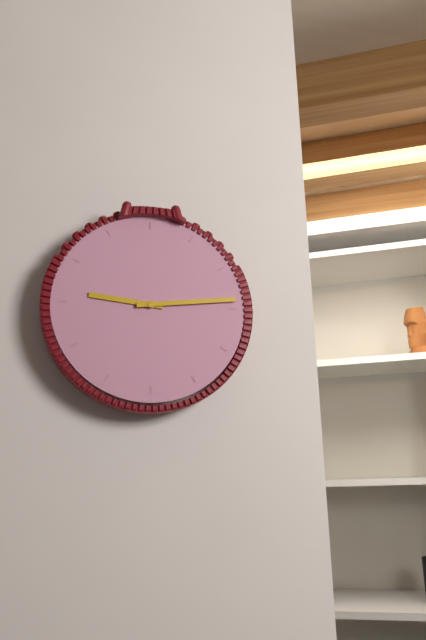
9:14
